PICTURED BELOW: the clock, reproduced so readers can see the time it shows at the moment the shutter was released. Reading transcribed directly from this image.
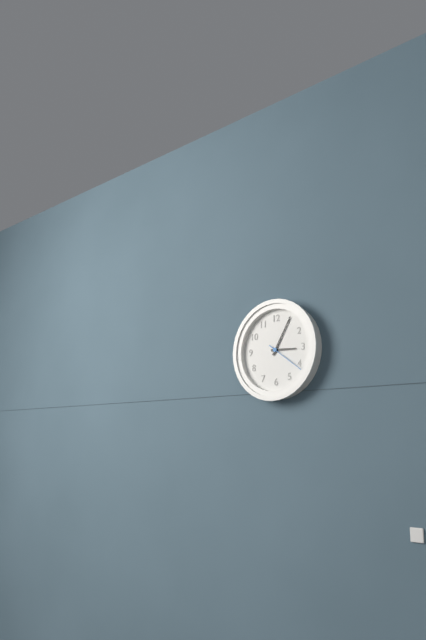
3:05
